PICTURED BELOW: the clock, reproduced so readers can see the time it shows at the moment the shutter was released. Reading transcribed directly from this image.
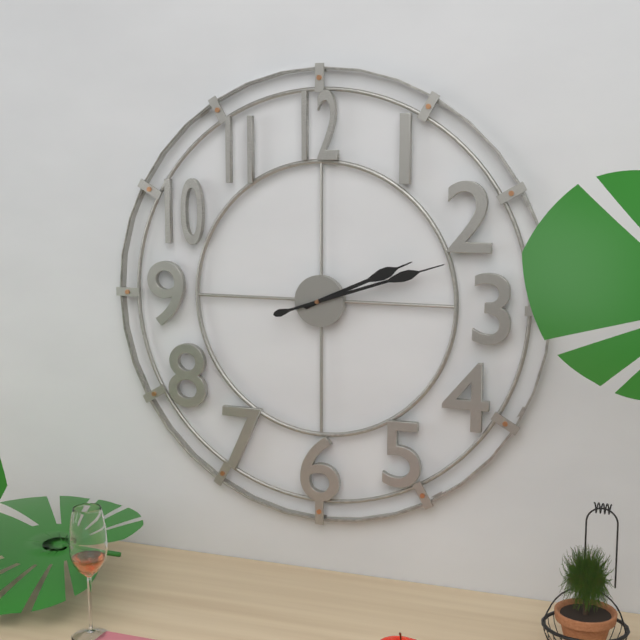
2:12
